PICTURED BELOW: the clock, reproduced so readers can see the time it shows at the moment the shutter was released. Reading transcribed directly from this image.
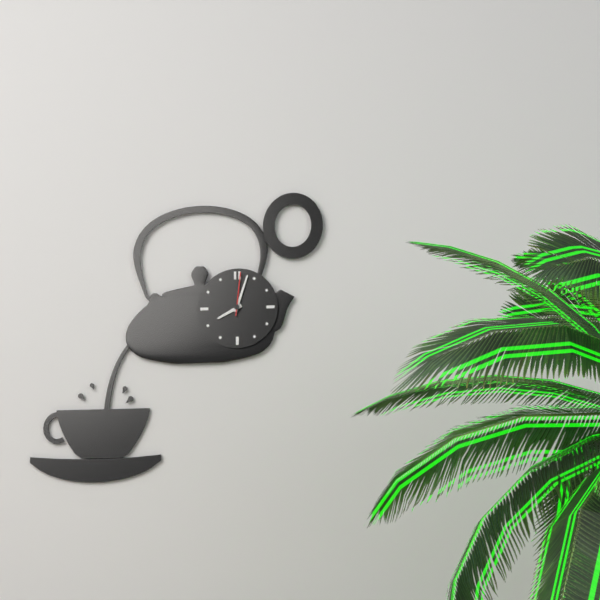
8:03
